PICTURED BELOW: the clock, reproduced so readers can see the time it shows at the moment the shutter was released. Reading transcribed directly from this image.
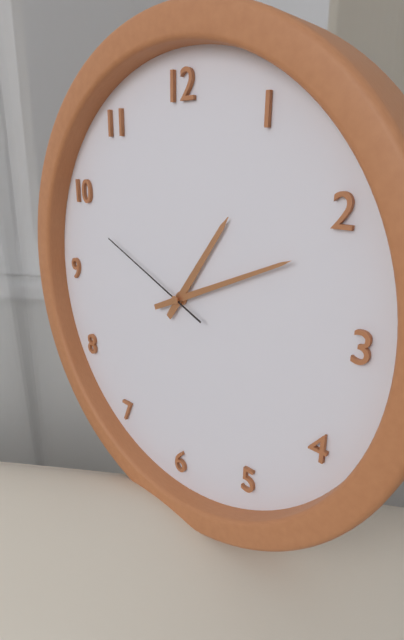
1:11:49
